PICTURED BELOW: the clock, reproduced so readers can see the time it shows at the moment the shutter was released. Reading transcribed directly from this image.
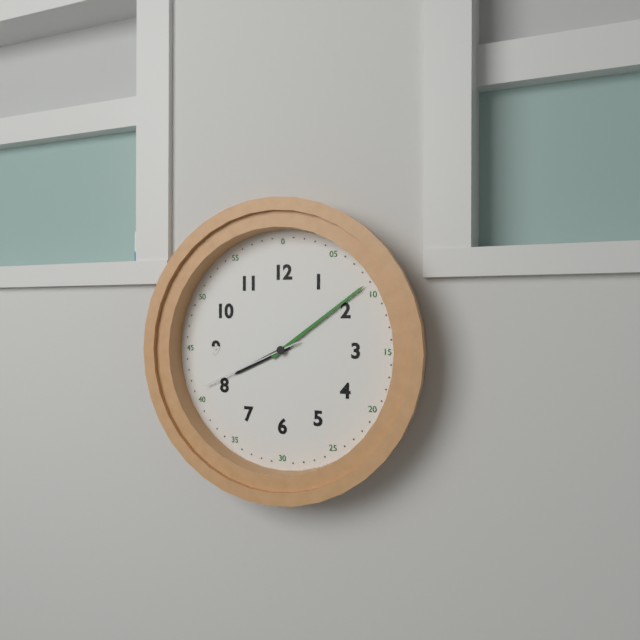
8:09:41
